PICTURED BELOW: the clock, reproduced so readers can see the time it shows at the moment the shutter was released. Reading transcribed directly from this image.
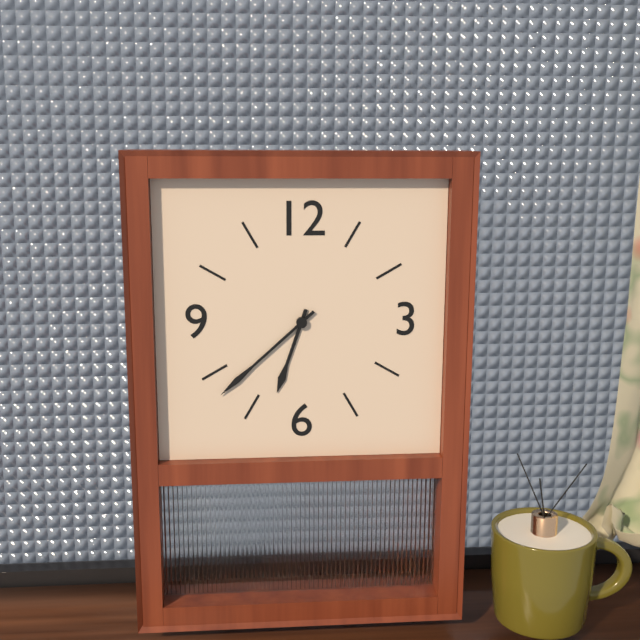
6:38
